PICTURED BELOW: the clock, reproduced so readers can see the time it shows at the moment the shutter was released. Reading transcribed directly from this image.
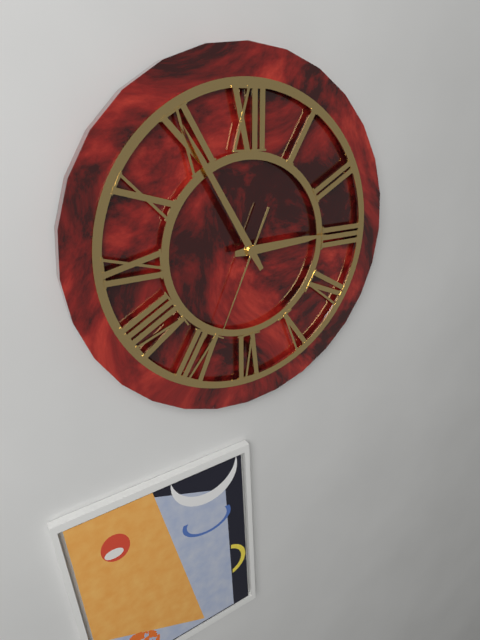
2:55:34
